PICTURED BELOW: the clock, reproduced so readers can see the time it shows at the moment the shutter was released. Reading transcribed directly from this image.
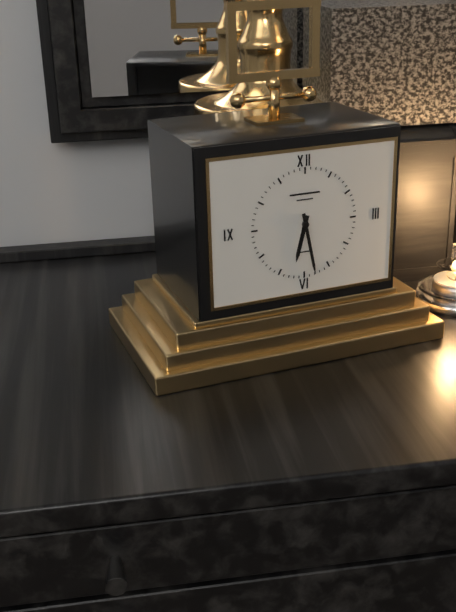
6:28
